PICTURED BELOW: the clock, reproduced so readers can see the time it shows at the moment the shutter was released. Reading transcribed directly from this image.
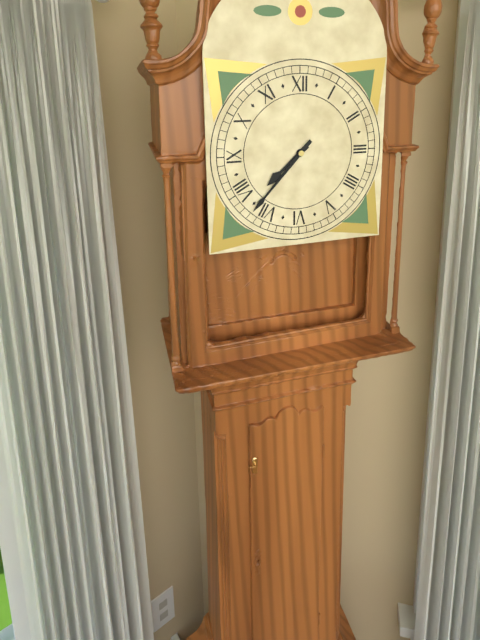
7:37
